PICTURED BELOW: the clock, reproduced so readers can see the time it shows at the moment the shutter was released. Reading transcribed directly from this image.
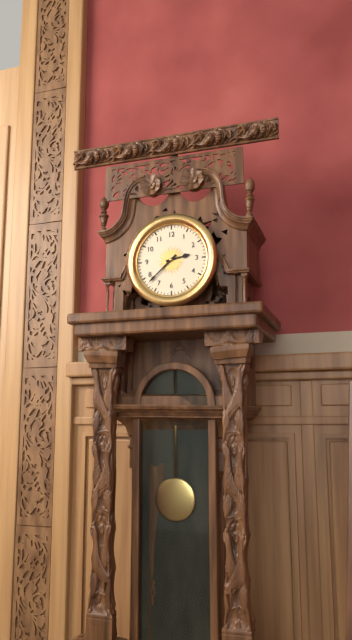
2:38
